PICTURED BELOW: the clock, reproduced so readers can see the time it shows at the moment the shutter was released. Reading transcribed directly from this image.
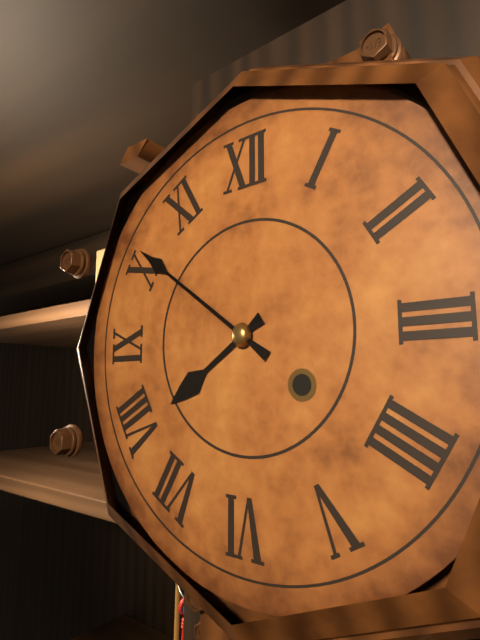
7:51
